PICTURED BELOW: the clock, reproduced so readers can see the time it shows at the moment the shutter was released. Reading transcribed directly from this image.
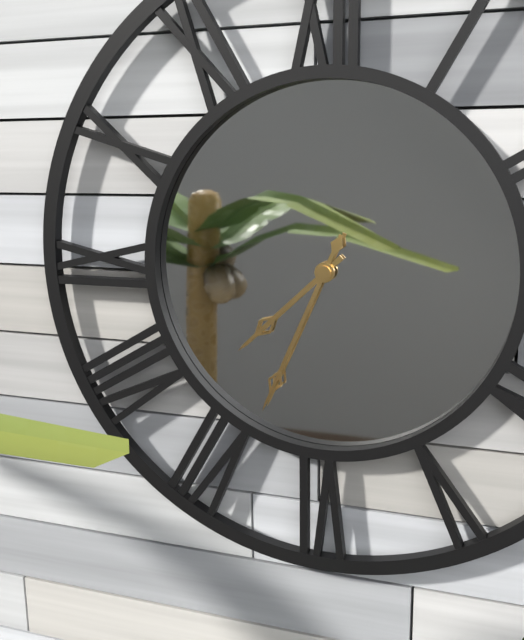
7:34
